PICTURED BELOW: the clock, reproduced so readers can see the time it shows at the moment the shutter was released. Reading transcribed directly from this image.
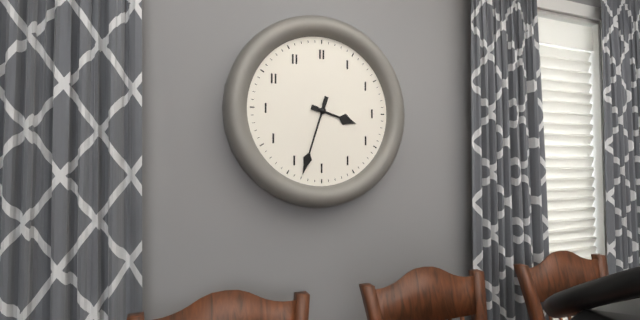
3:33
